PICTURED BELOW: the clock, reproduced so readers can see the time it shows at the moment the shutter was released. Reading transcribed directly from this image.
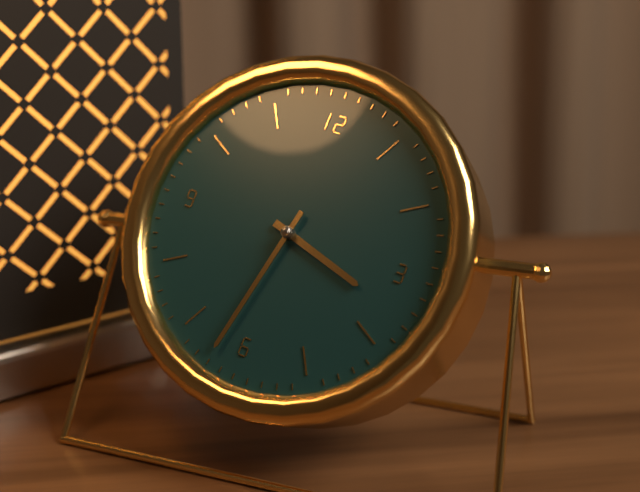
3:32
